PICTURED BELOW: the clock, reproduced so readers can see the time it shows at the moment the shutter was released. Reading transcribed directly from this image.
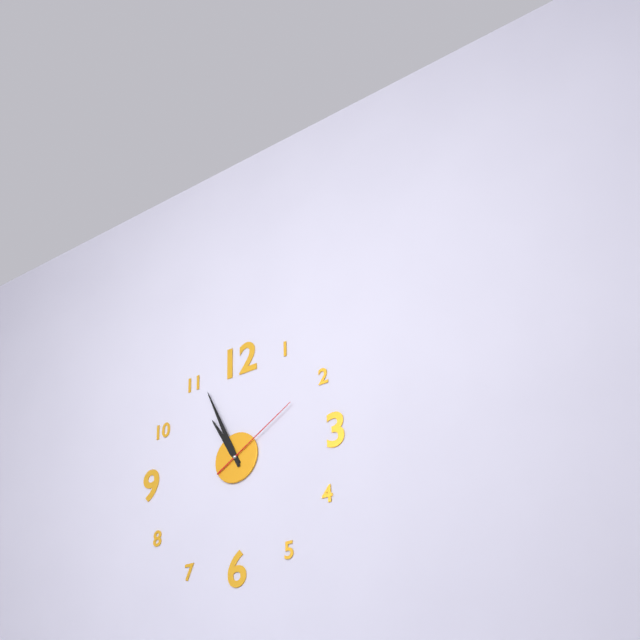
10:56:10
